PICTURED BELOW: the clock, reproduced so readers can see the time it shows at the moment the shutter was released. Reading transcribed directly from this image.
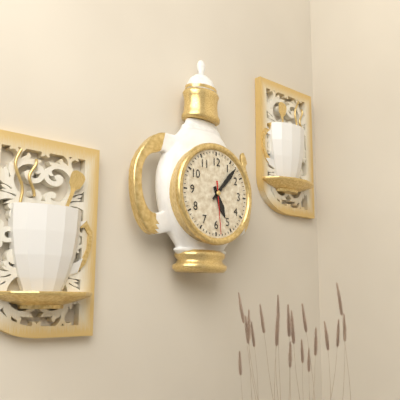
5:07:29
